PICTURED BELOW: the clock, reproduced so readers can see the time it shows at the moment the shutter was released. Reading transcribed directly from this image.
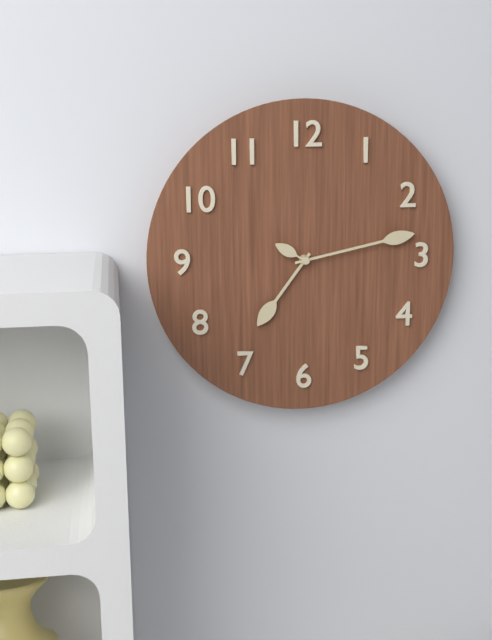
7:13
